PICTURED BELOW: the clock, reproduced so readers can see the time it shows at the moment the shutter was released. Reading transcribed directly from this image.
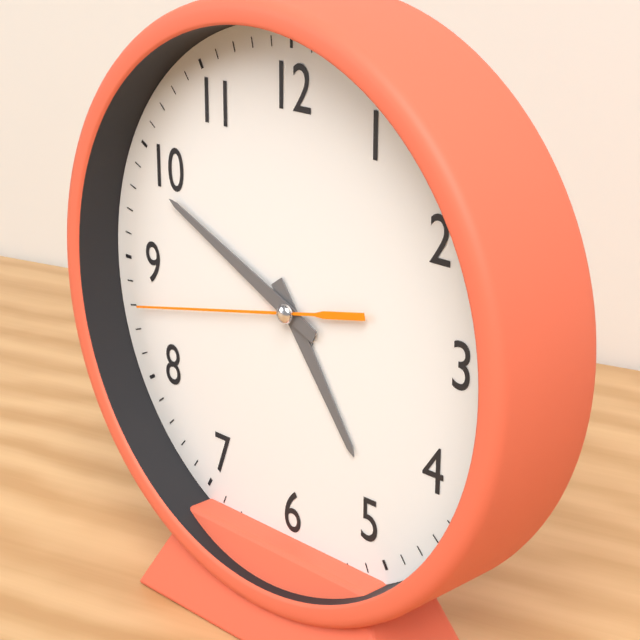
4:49:43
